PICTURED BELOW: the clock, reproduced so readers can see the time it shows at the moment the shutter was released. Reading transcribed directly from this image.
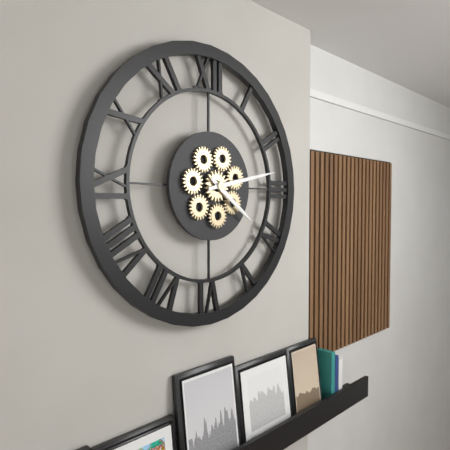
4:13
